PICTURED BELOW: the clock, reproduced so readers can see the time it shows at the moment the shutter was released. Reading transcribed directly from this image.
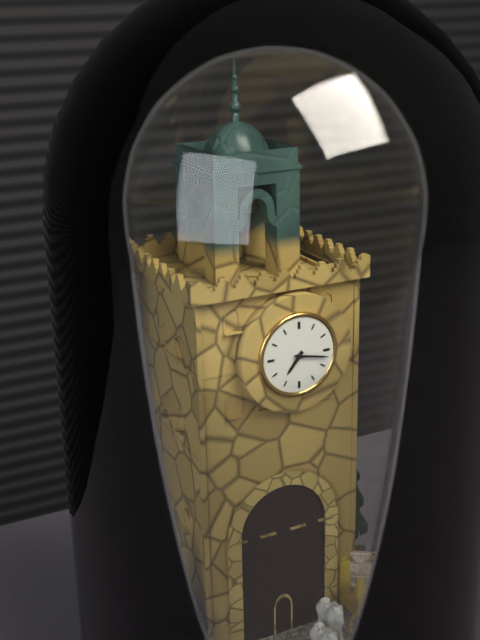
7:17
